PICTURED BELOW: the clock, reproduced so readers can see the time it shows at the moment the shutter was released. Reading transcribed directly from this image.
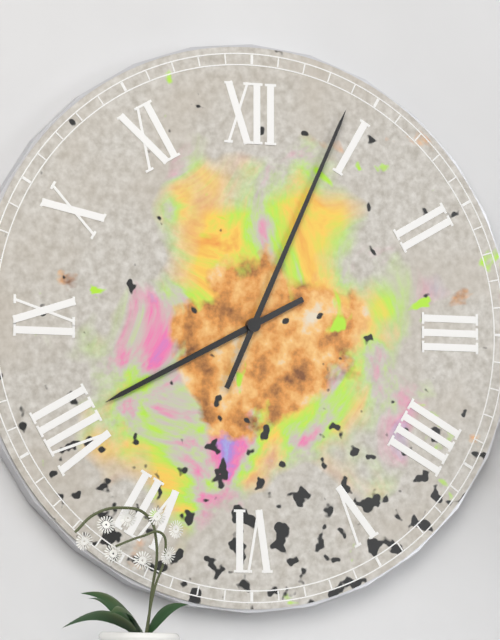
8:04
